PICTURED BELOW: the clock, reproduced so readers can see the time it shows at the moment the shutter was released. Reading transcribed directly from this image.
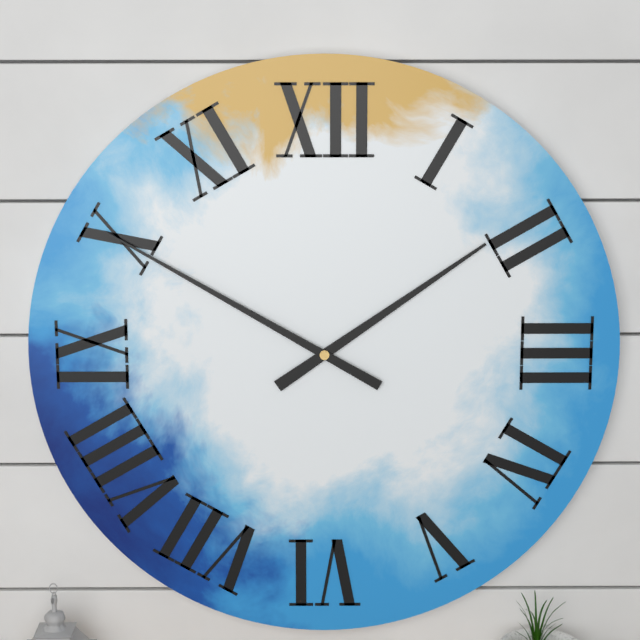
1:50
